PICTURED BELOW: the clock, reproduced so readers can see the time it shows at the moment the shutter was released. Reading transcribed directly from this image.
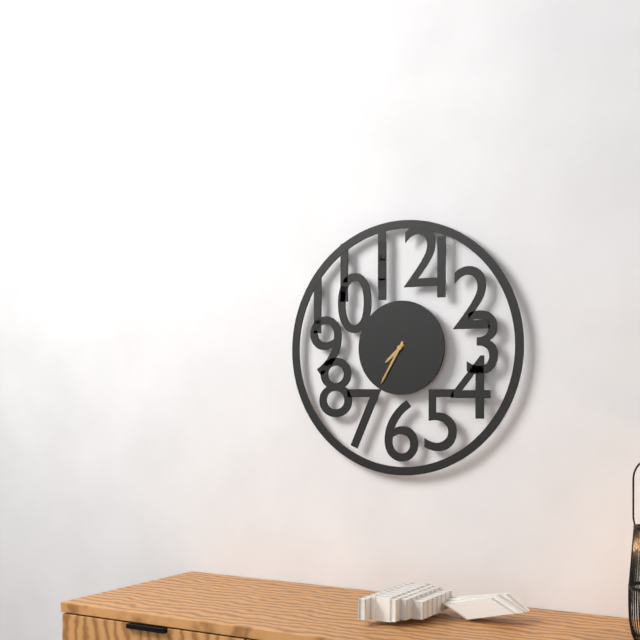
7:35
